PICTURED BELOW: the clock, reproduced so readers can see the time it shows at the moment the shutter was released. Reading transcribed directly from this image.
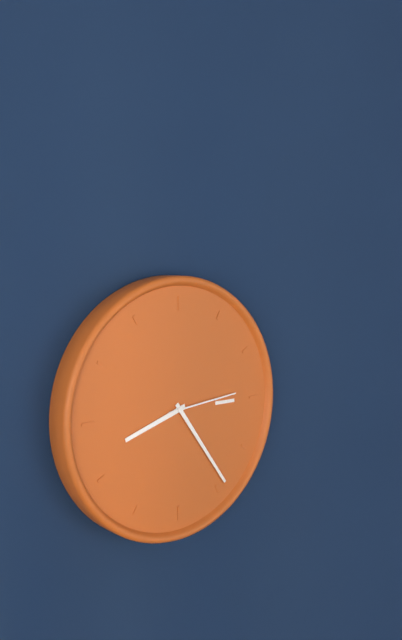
8:24:14
